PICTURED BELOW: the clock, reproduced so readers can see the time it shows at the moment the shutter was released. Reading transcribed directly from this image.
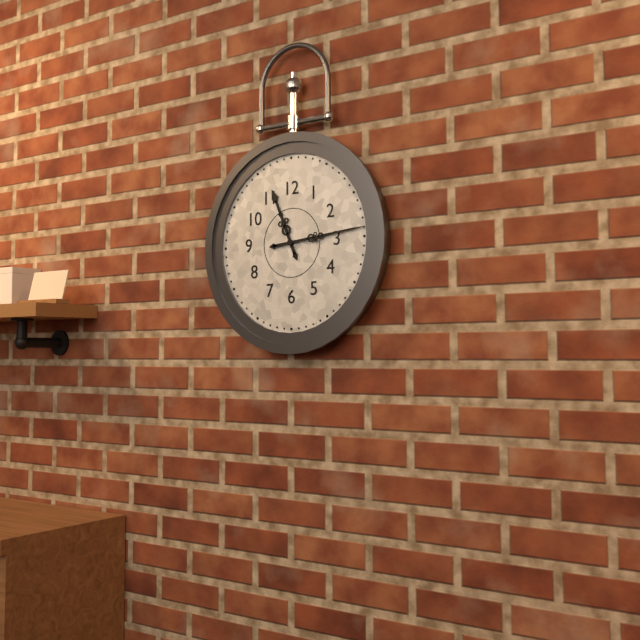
11:14
